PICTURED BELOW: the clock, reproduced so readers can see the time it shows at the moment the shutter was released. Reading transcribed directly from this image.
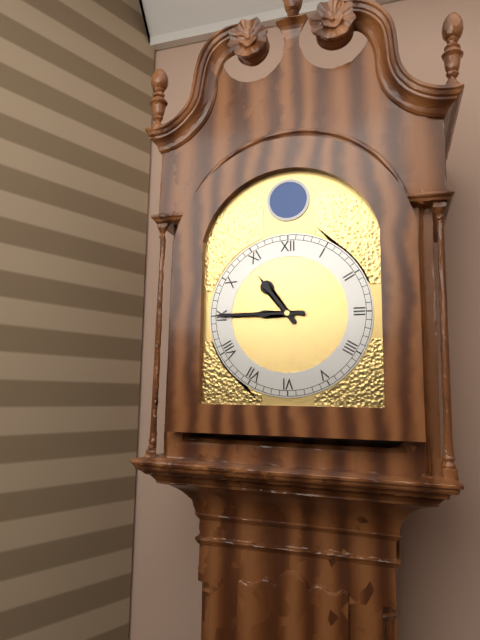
10:45
